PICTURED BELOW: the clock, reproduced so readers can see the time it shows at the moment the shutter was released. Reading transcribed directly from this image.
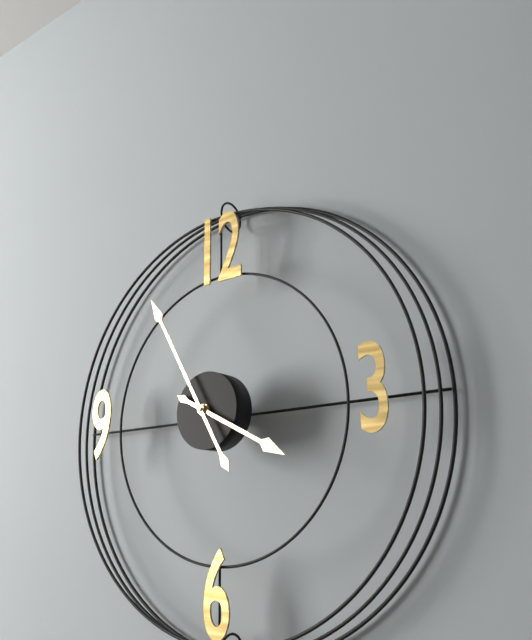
3:55
